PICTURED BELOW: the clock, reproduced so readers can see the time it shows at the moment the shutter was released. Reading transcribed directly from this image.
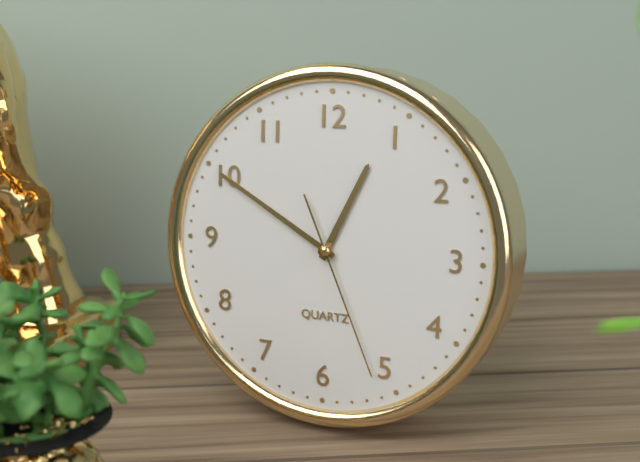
12:50:26
